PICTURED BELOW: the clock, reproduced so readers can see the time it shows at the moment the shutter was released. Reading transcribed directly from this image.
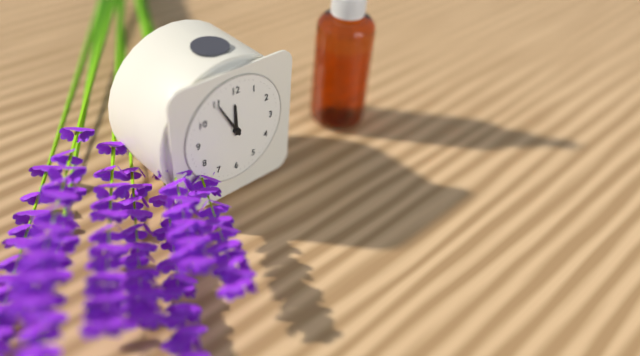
11:55
